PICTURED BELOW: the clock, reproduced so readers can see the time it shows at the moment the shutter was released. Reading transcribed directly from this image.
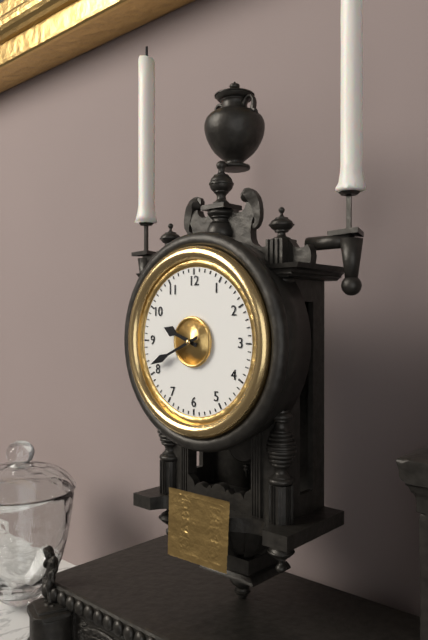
9:41
